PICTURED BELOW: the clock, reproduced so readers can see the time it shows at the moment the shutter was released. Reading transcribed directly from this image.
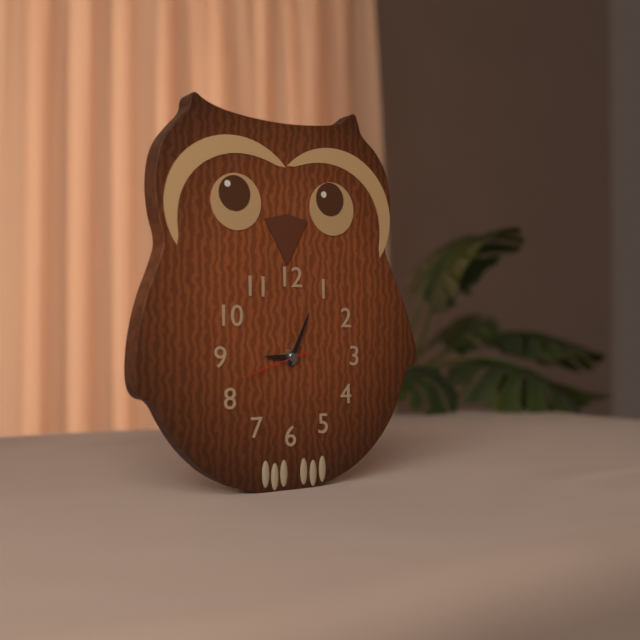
9:04:42
